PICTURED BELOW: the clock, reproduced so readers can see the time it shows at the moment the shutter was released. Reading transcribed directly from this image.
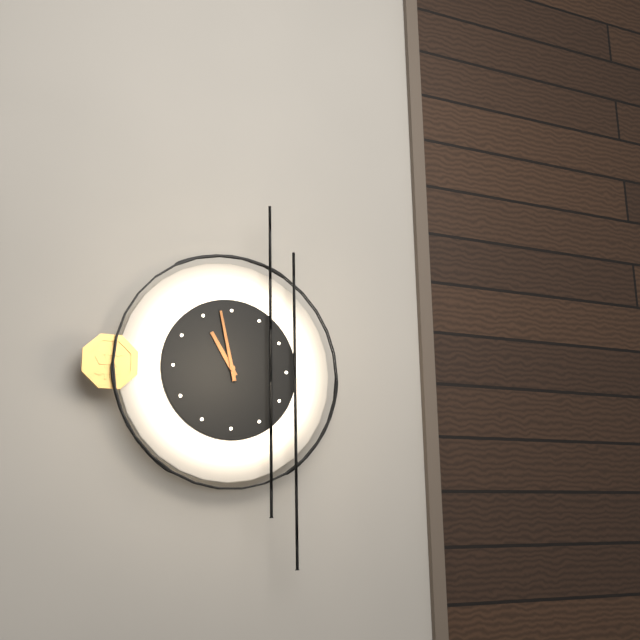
10:58
